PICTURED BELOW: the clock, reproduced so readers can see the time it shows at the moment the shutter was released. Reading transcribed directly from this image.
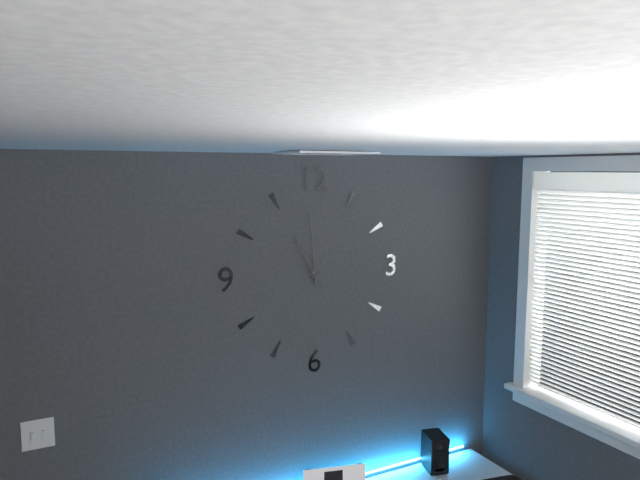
10:59
